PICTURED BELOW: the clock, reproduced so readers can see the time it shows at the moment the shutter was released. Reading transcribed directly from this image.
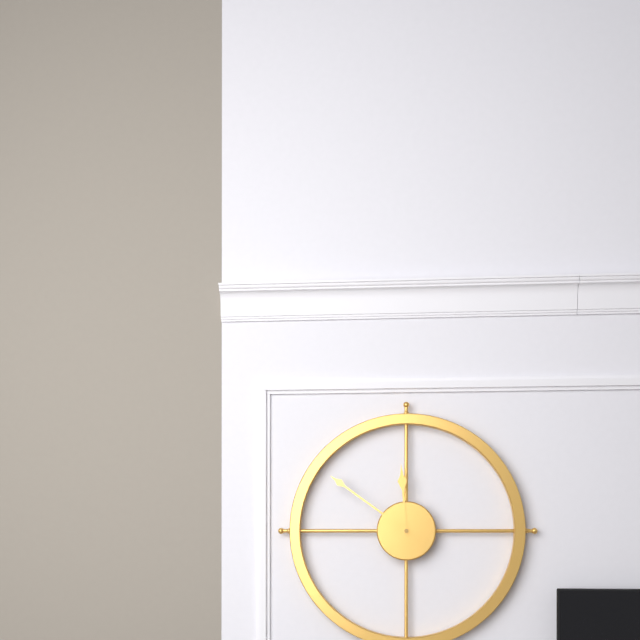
11:51
